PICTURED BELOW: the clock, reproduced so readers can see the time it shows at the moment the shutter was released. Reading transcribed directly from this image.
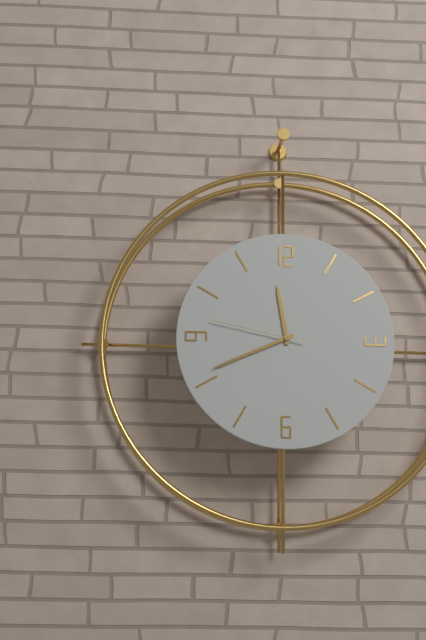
11:41:47
